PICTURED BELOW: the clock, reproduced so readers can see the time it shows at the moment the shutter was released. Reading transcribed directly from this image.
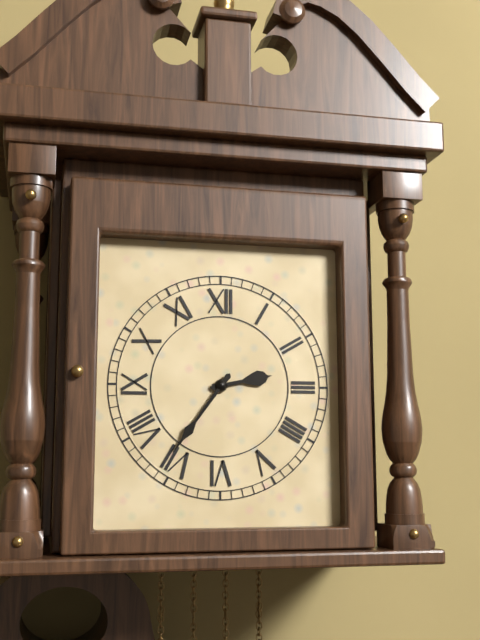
2:36
